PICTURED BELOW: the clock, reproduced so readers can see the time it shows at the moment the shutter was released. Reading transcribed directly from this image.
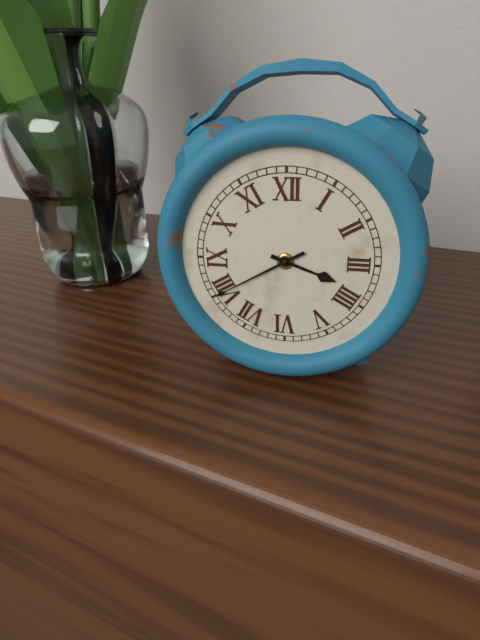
3:40
